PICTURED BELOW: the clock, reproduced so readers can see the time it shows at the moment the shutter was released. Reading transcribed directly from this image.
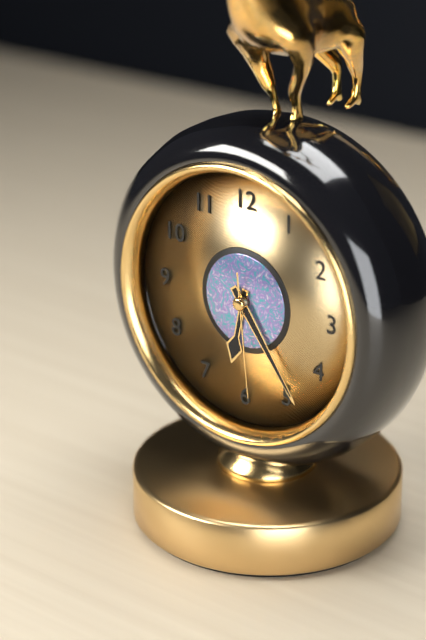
6:24:29
